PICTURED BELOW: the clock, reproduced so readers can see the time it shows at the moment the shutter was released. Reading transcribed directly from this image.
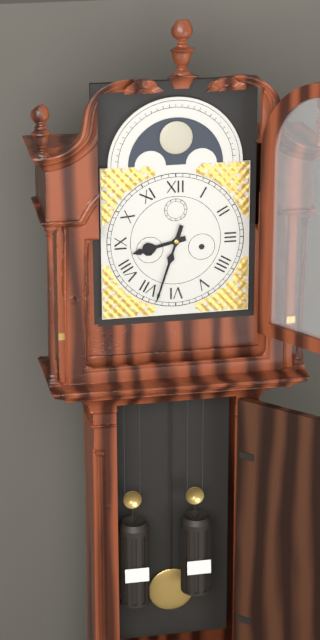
8:33
